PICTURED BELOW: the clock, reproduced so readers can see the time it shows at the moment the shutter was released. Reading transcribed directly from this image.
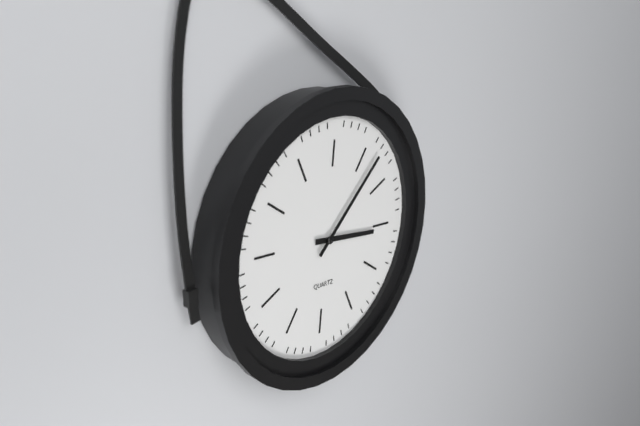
3:07
